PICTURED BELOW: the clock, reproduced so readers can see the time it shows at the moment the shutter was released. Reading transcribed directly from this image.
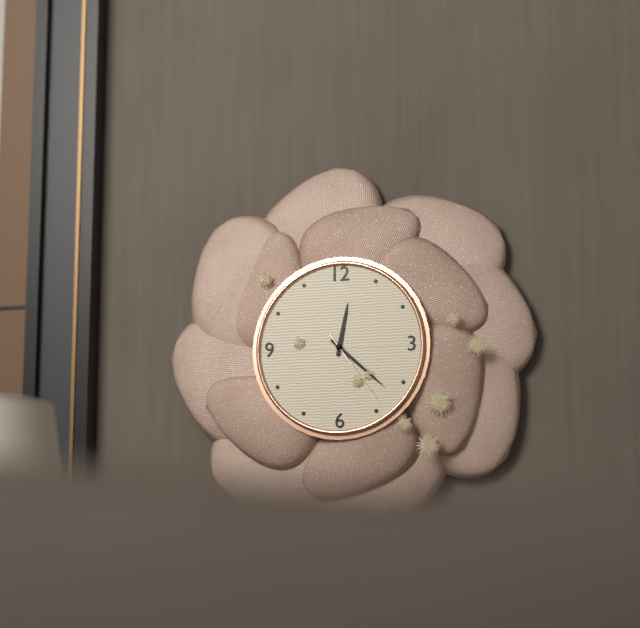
12:22:24
